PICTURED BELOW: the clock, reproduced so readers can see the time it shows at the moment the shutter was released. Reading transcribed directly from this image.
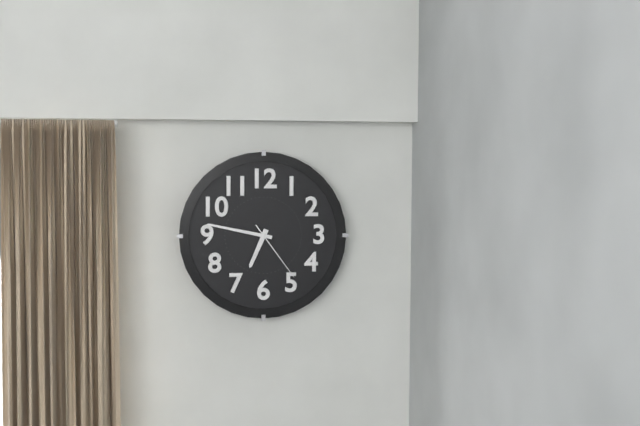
6:47:24
